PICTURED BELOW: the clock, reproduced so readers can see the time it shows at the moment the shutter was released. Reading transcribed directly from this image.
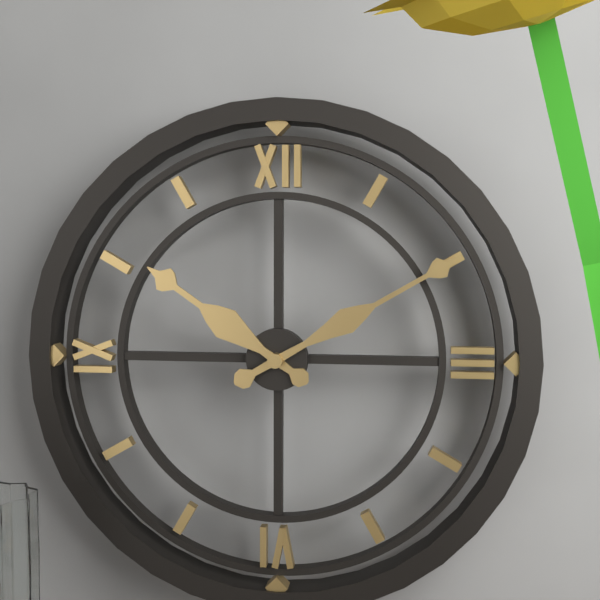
10:10
